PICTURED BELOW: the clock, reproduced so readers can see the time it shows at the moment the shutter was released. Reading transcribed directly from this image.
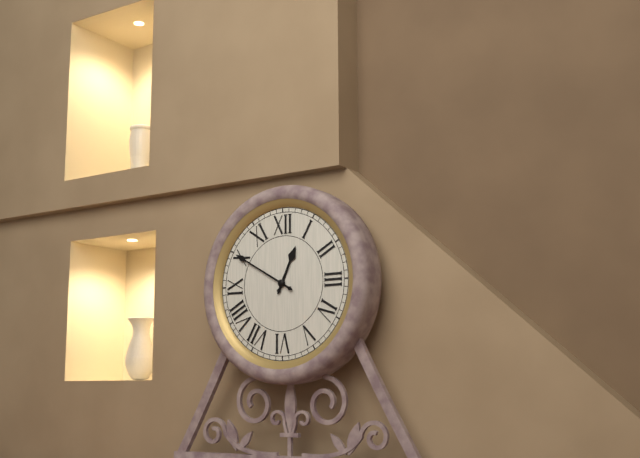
12:50
